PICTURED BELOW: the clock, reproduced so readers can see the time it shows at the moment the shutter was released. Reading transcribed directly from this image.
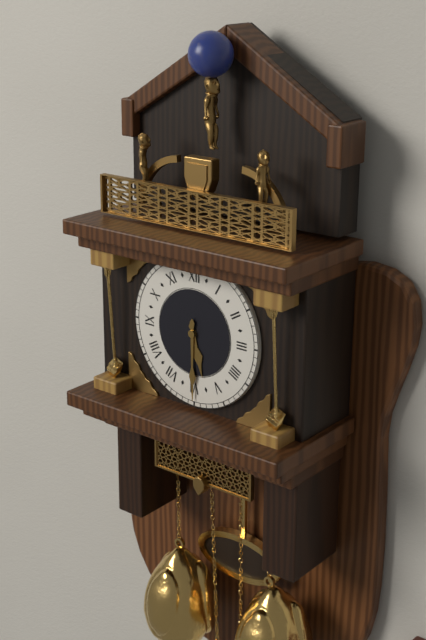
5:30
